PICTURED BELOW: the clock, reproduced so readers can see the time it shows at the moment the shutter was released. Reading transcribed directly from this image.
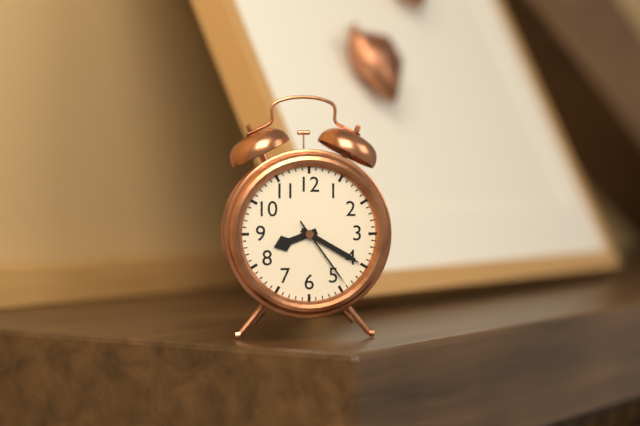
8:20:24
